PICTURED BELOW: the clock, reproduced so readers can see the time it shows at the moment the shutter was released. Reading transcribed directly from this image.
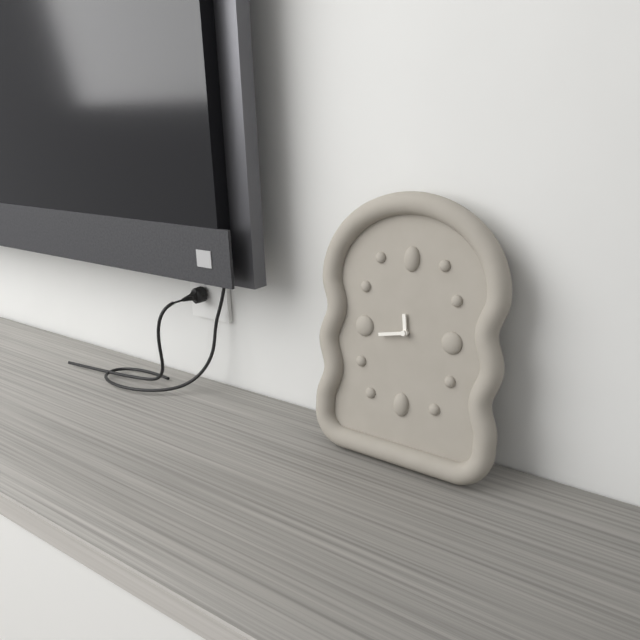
11:43
